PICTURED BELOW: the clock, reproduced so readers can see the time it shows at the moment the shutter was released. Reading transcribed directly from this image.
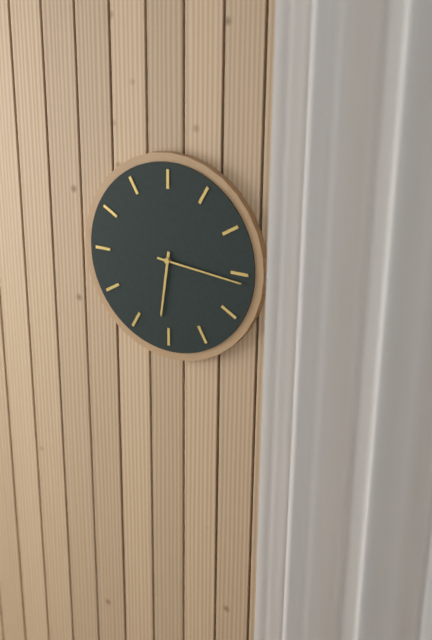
6:16
